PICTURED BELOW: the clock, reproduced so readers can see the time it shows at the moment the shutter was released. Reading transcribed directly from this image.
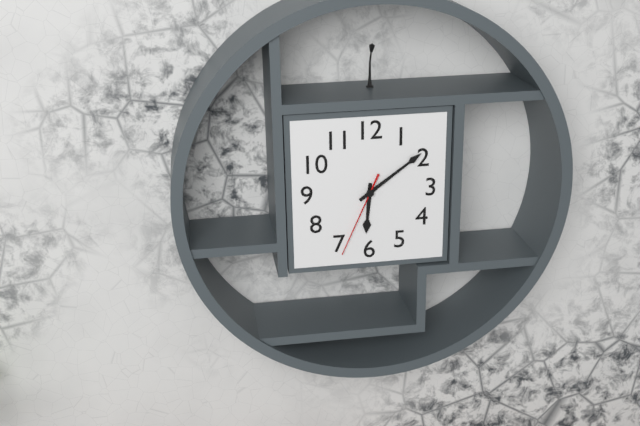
6:09:34
